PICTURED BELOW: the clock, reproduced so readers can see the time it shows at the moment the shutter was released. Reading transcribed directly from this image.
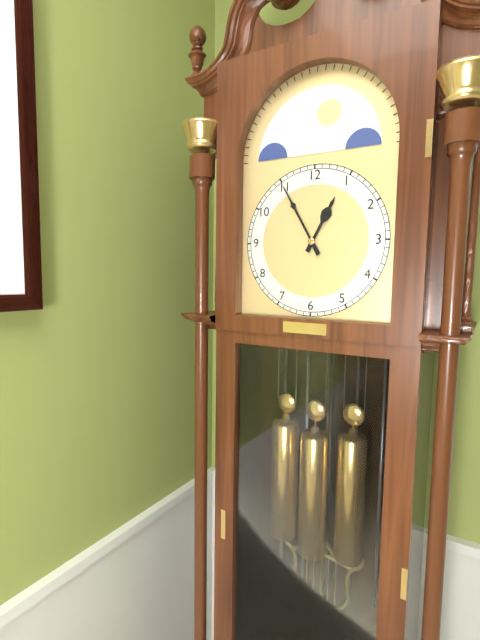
12:55
